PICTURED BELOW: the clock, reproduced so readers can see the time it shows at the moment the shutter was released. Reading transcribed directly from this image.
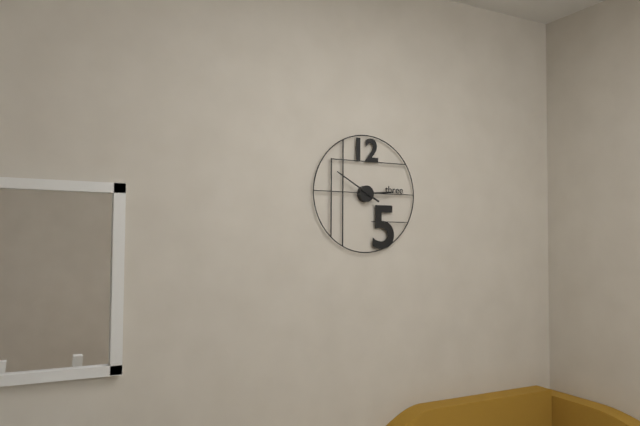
2:50
